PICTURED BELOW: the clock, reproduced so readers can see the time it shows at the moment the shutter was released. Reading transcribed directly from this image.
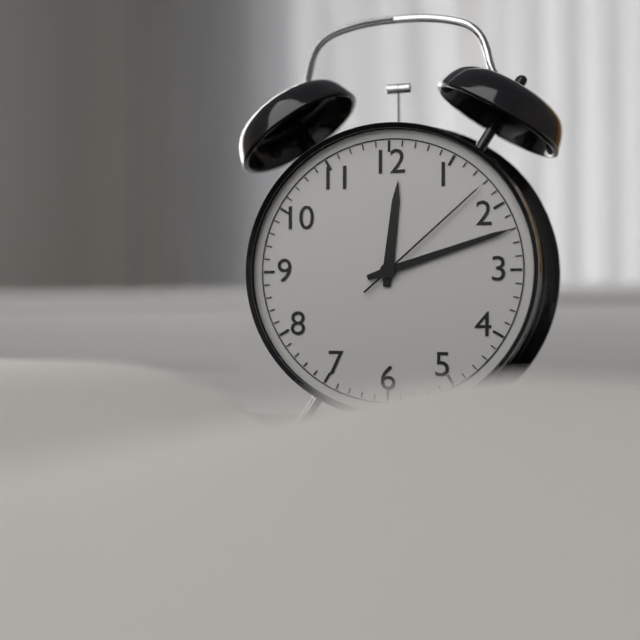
12:12:08
